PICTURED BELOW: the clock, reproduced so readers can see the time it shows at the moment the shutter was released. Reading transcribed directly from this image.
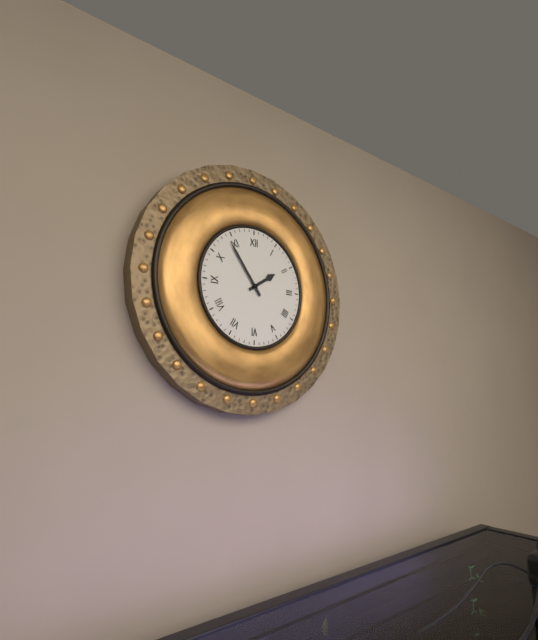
1:54
